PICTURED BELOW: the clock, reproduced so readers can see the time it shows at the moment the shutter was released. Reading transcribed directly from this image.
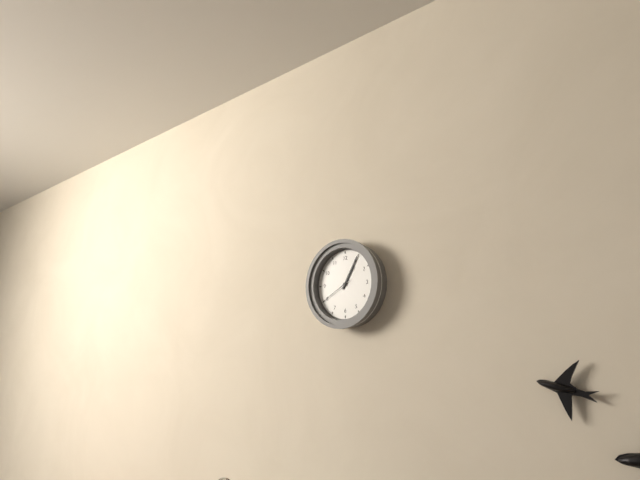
1:05
